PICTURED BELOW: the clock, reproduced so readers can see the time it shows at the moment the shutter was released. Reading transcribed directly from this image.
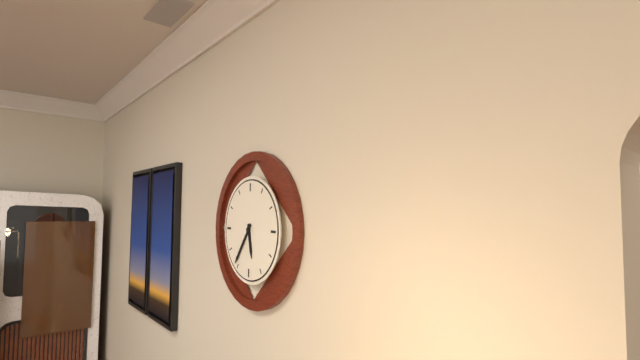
5:36
